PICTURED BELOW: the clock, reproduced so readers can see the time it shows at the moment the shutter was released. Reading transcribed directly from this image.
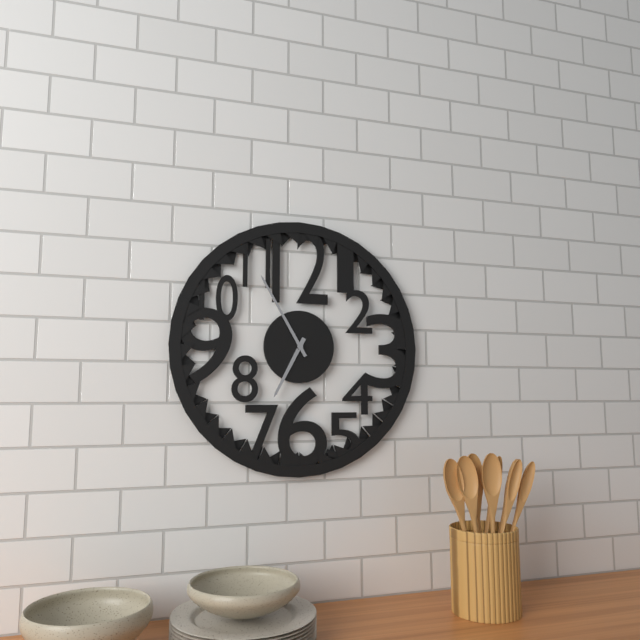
6:55
